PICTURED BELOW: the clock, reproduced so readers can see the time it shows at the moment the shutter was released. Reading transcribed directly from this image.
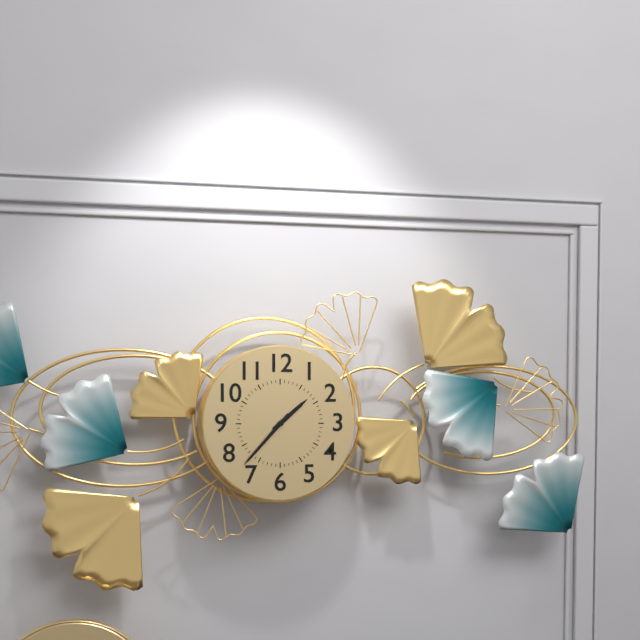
1:37
